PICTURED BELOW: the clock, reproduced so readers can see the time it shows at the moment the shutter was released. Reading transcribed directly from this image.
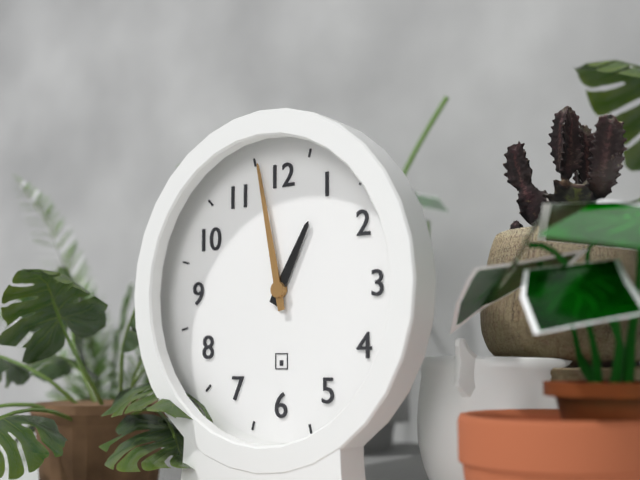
12:58
